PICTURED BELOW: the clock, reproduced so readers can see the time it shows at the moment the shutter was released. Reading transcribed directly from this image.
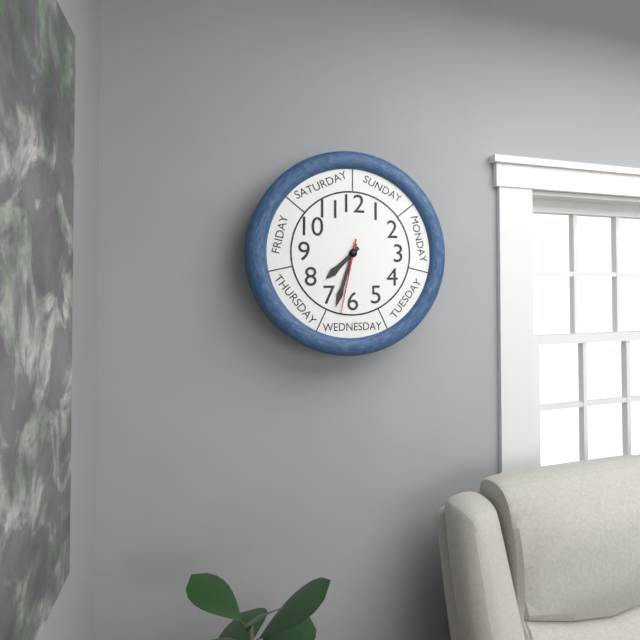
7:33:32
